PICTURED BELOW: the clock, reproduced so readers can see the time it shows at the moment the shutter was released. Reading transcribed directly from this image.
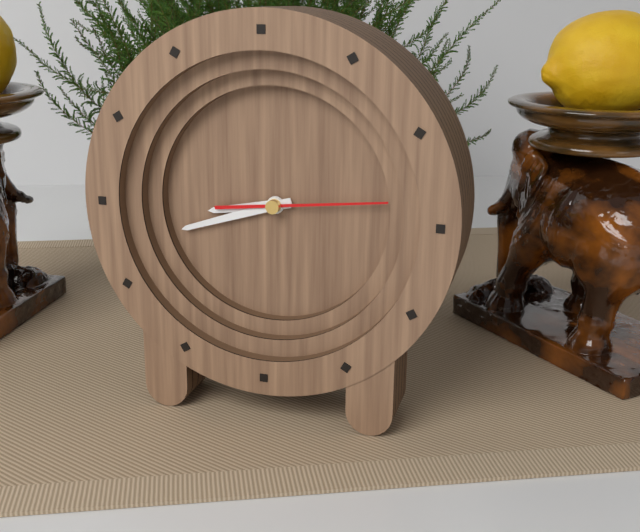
8:42:14
